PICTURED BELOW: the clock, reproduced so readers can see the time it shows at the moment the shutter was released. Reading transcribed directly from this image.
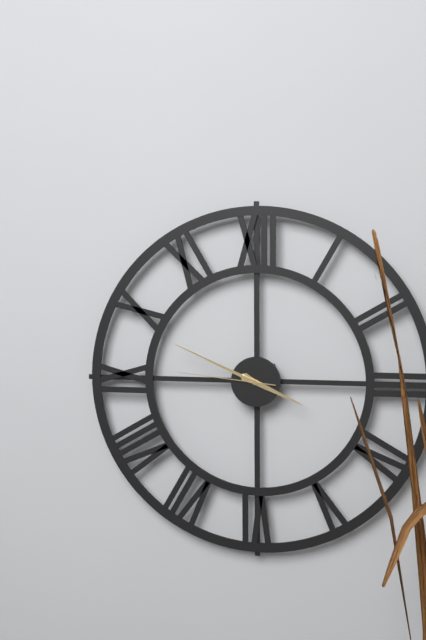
3:49:46
